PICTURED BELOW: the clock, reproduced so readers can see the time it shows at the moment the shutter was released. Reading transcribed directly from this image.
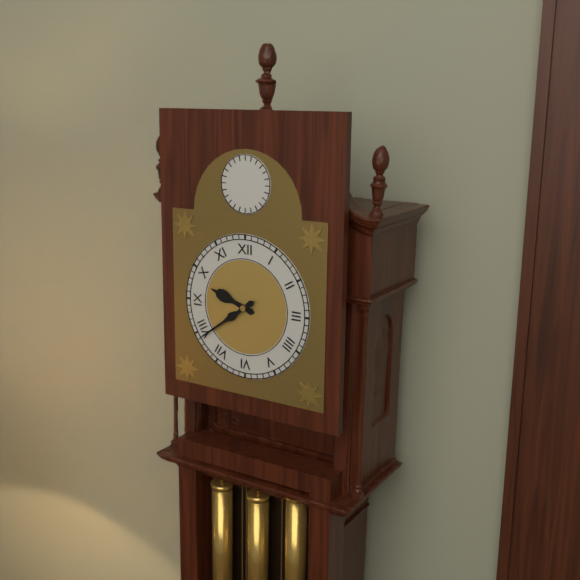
9:39
